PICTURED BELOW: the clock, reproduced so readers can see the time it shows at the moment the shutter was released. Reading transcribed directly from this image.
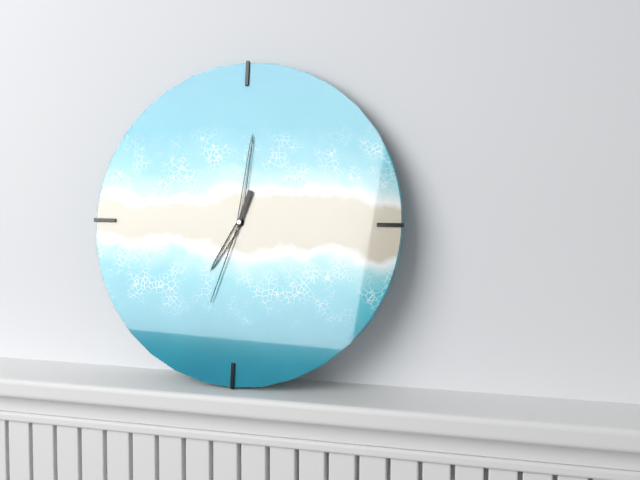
7:01:33
